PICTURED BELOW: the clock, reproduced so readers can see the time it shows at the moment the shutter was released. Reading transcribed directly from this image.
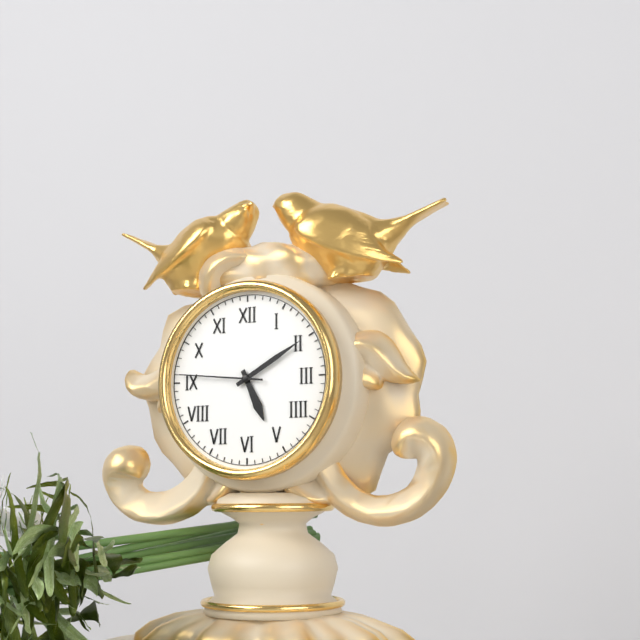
5:10:46
